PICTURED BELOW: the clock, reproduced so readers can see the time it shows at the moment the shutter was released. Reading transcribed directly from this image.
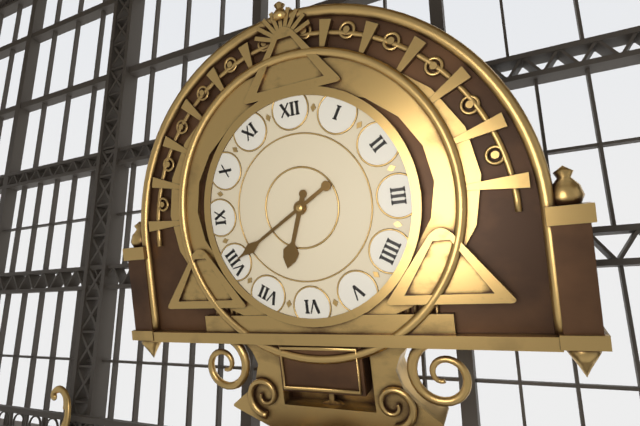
6:40
